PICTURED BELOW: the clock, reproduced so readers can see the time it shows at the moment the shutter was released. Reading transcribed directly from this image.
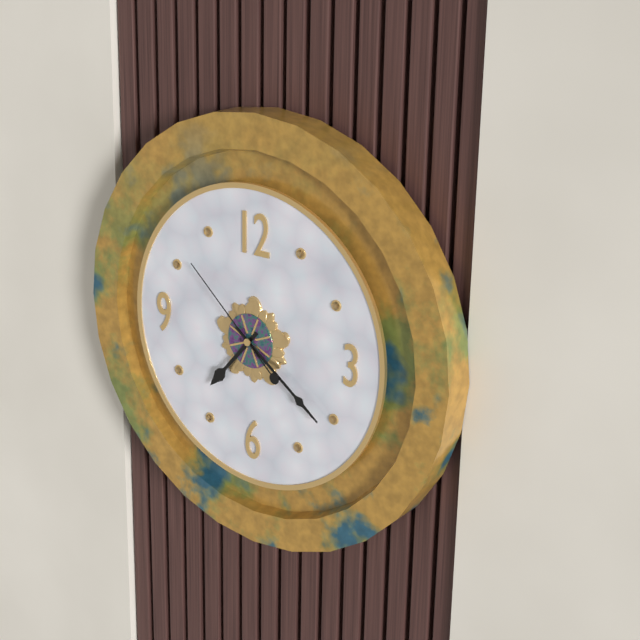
7:21:52
